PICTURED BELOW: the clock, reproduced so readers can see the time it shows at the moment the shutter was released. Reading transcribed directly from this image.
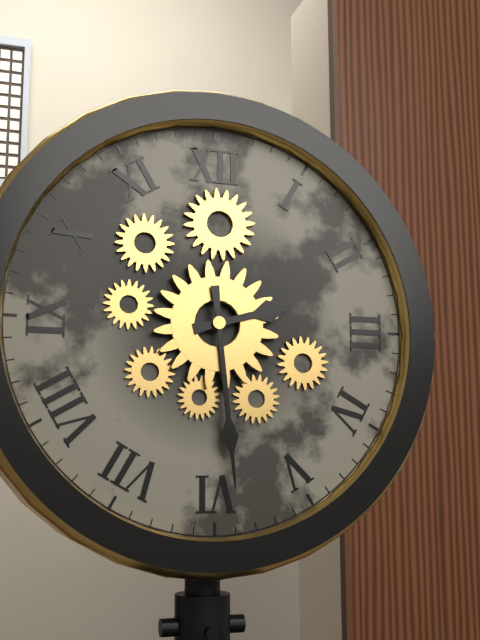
2:29
